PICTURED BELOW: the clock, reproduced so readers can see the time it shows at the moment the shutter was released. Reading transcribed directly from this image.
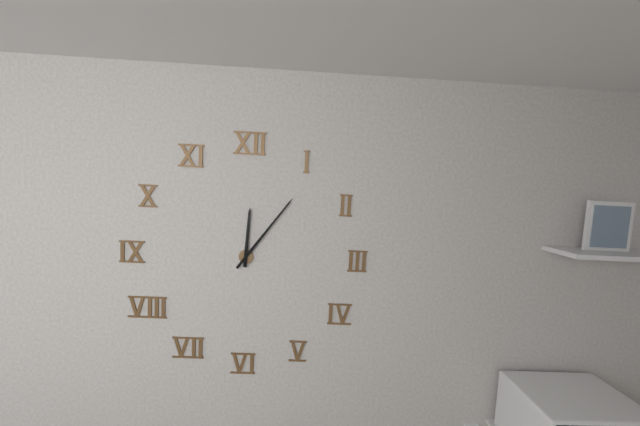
12:06
